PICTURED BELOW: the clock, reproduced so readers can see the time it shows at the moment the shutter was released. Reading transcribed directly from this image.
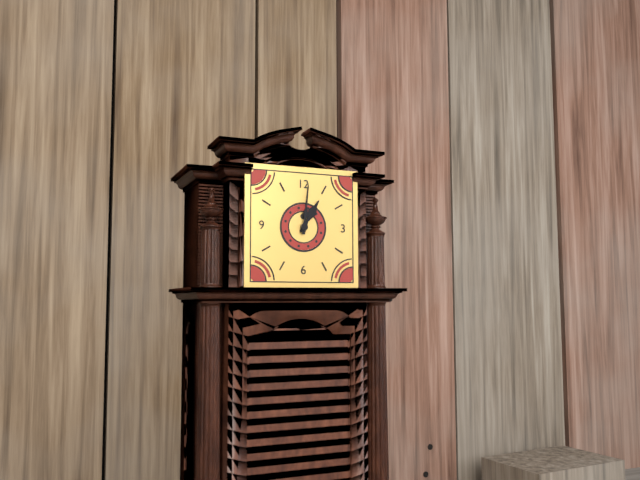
1:01
